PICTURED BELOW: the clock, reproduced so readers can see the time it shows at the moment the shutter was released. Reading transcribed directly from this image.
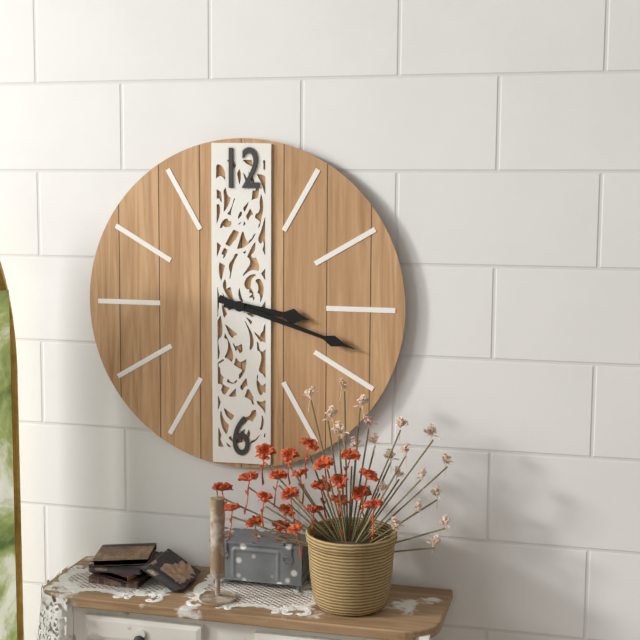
3:18
